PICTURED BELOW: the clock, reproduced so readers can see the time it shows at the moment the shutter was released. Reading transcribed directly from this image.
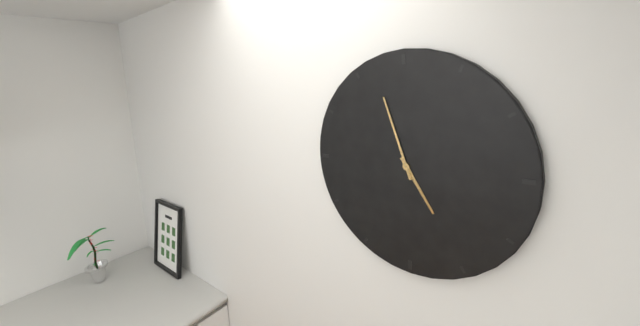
4:57
